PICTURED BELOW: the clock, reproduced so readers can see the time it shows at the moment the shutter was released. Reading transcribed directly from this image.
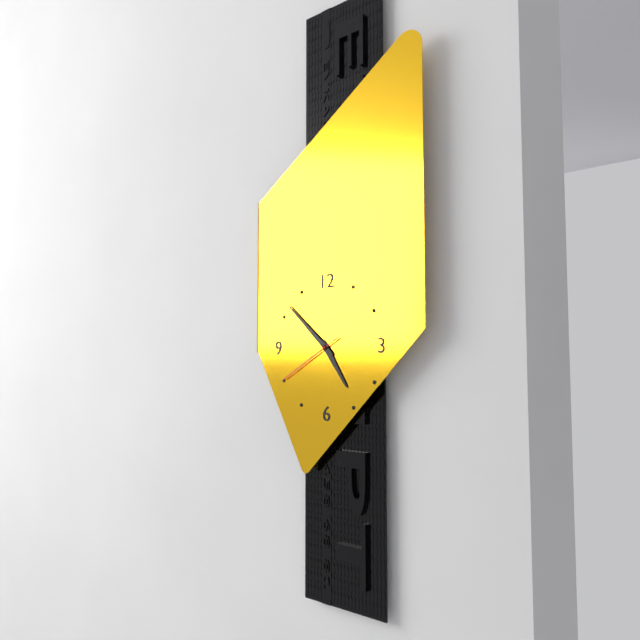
4:52:40
